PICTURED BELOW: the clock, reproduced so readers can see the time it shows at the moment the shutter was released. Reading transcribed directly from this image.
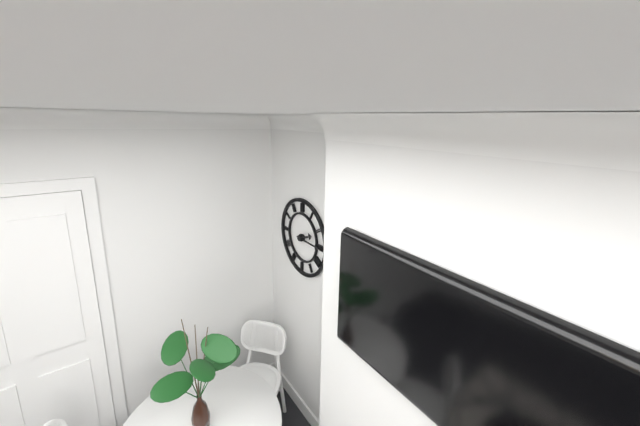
2:15
